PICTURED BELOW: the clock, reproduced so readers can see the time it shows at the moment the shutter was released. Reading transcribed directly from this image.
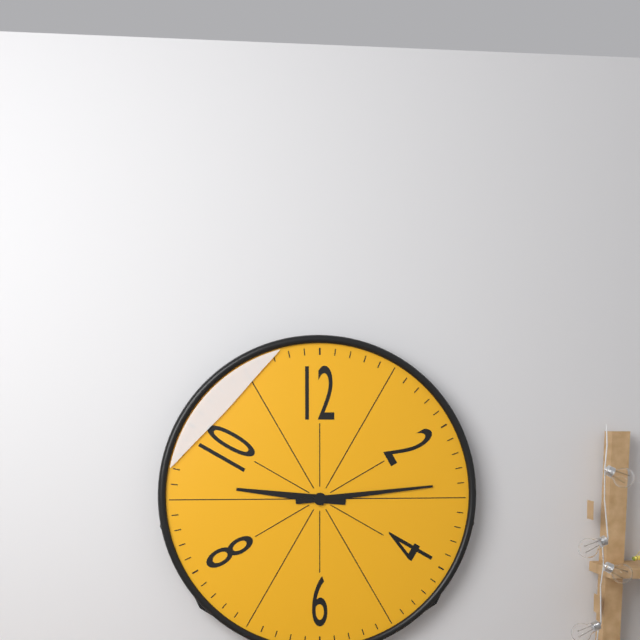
9:14
